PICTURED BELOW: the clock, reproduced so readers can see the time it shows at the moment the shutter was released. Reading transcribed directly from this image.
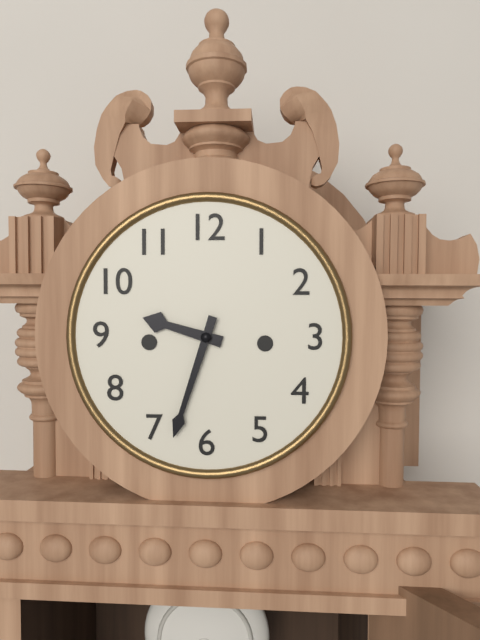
9:33
